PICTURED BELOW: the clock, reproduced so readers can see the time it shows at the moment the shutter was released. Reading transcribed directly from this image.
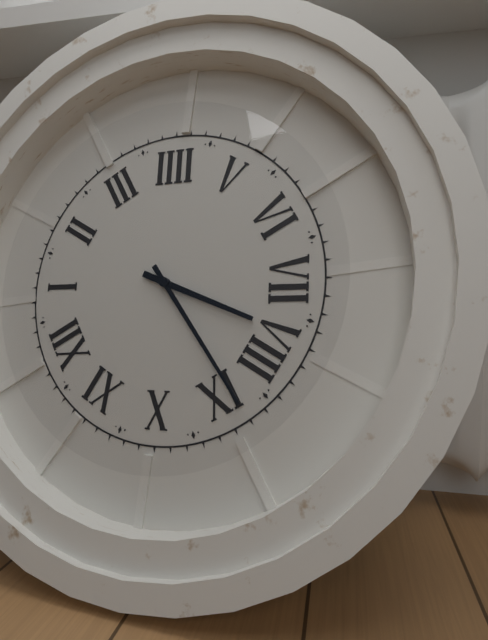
7:44
